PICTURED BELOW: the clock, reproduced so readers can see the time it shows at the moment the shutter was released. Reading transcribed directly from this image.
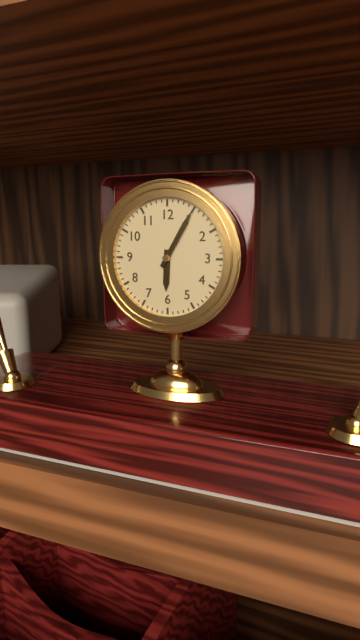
6:05
